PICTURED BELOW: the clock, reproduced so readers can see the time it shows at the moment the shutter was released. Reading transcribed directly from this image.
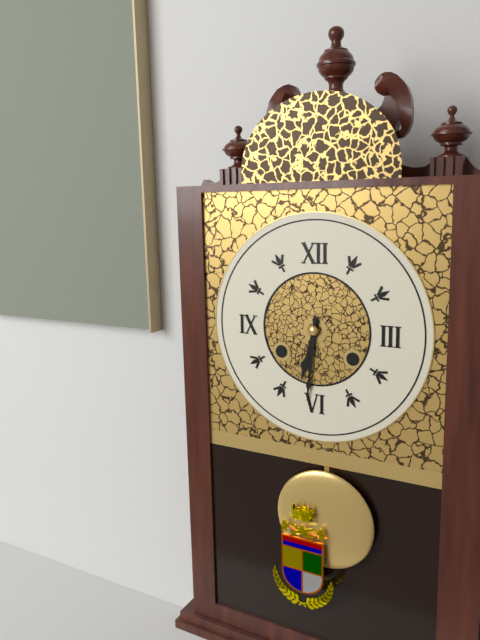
6:31
